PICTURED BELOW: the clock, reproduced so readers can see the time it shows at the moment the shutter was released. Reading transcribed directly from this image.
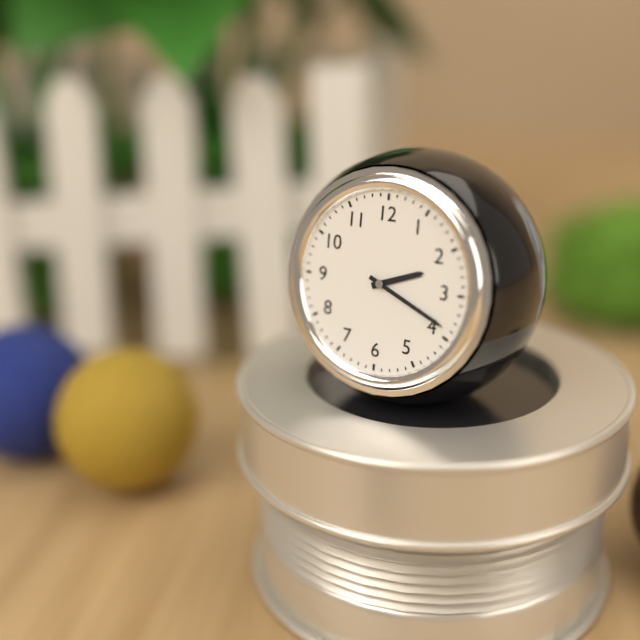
2:19
